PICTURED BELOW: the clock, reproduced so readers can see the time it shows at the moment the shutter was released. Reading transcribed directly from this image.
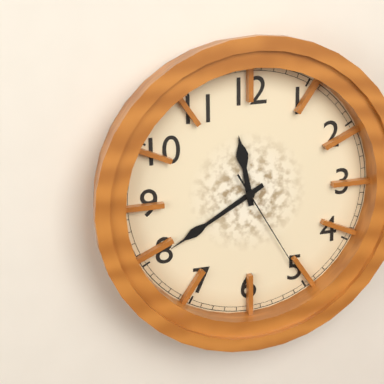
11:40:25
